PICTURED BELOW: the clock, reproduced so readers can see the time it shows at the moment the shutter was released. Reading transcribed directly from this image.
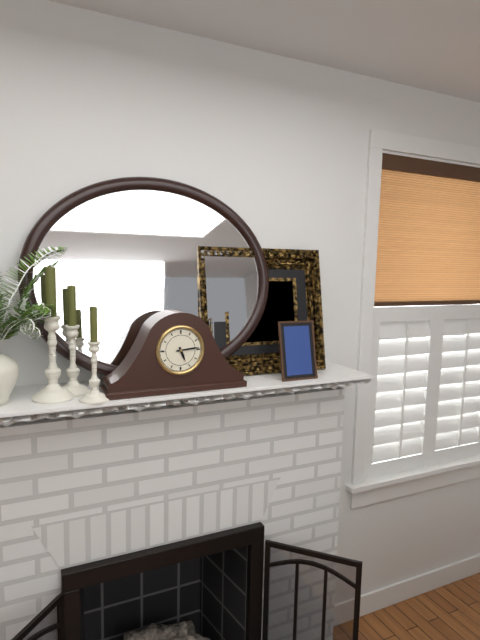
5:14
